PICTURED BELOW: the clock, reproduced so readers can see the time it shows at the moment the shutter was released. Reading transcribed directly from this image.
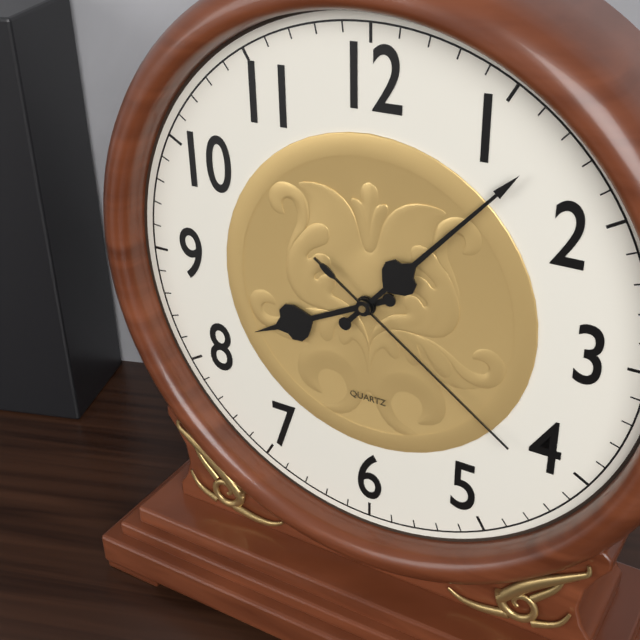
8:07:21
